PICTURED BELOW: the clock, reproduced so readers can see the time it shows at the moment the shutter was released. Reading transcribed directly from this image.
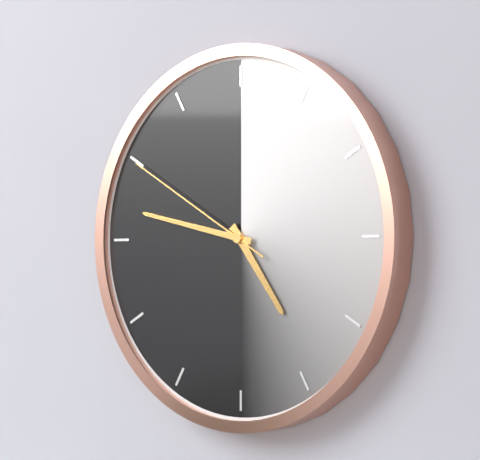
4:47:50
